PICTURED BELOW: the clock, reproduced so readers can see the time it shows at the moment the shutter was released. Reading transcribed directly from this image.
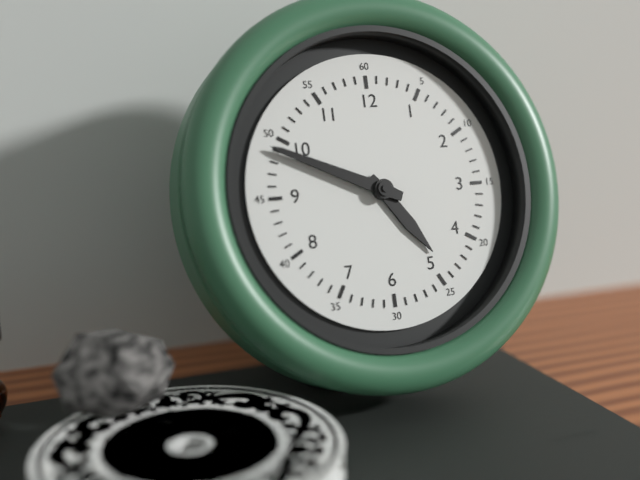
4:49
